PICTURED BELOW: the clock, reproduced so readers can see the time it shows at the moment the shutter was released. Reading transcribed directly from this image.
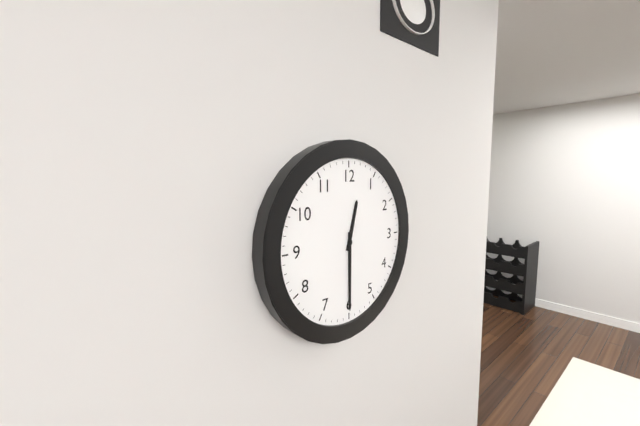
12:30
